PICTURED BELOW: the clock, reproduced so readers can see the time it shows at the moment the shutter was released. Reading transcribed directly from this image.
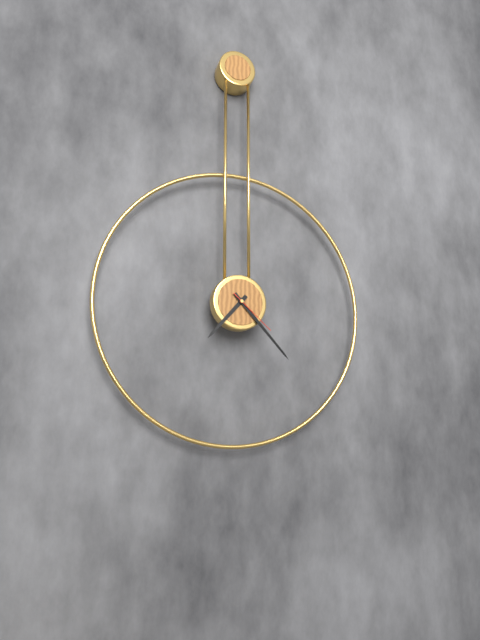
7:23:22
